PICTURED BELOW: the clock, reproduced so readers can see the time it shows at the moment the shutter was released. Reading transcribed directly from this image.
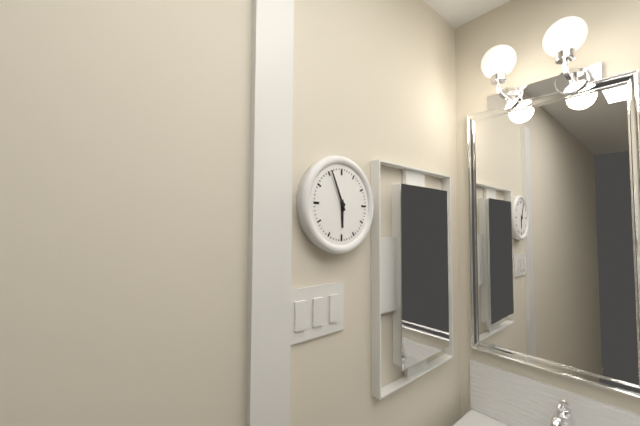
5:56
